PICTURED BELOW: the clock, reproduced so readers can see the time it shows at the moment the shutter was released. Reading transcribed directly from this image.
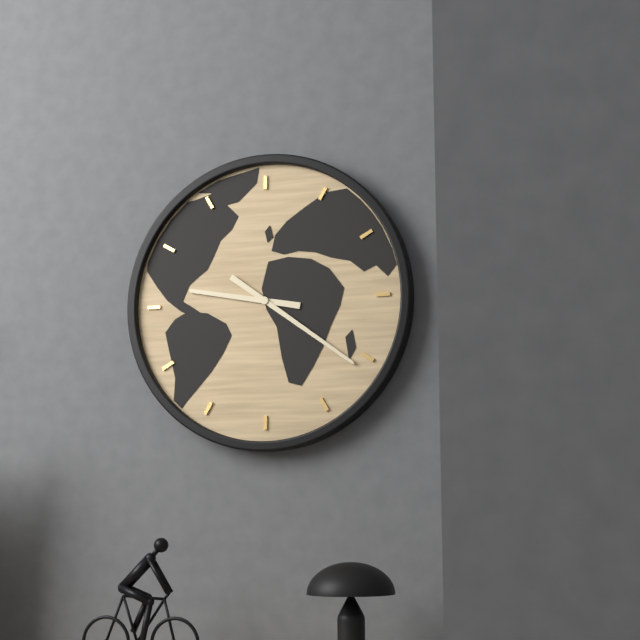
9:21
